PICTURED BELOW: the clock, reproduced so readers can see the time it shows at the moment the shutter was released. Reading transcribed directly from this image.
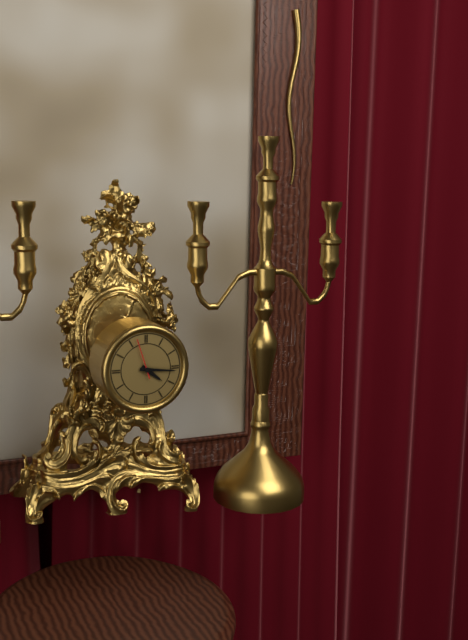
4:16
